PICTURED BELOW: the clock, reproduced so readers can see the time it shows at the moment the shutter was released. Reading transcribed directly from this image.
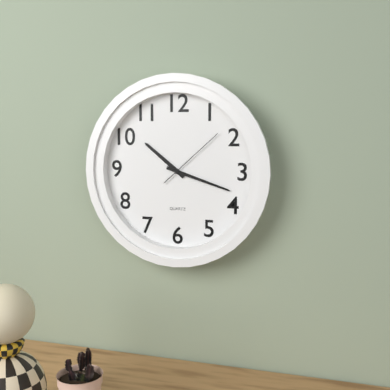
10:18:08
